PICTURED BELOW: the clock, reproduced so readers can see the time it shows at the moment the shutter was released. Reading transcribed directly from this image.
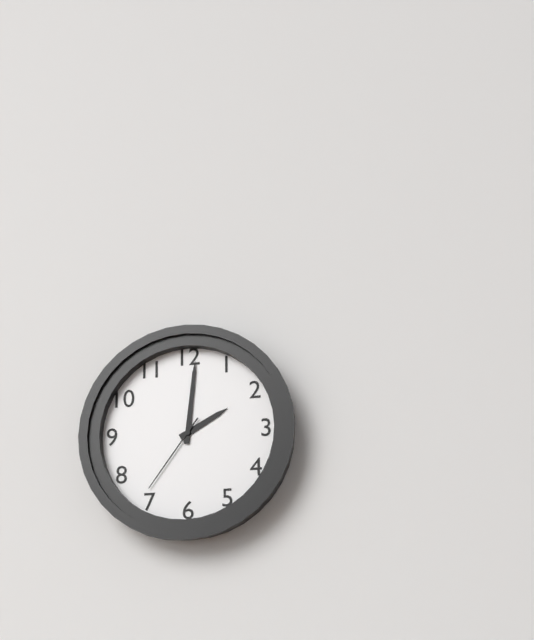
2:01:36
